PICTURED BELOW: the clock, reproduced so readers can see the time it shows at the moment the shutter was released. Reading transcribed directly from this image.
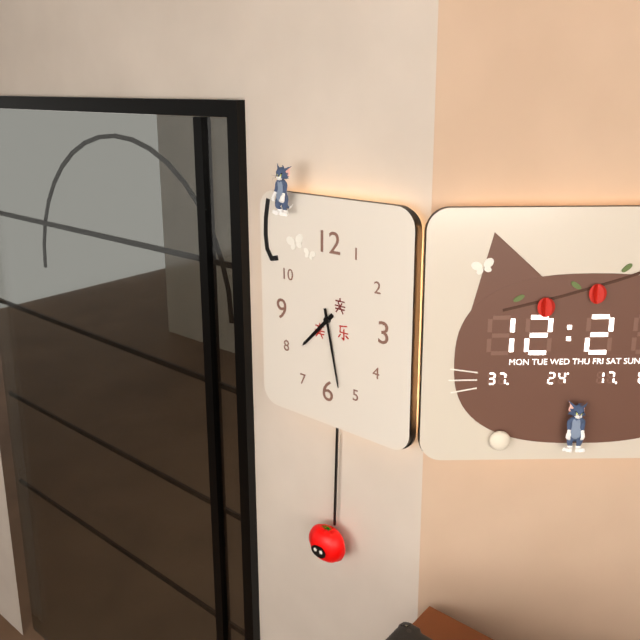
7:28
